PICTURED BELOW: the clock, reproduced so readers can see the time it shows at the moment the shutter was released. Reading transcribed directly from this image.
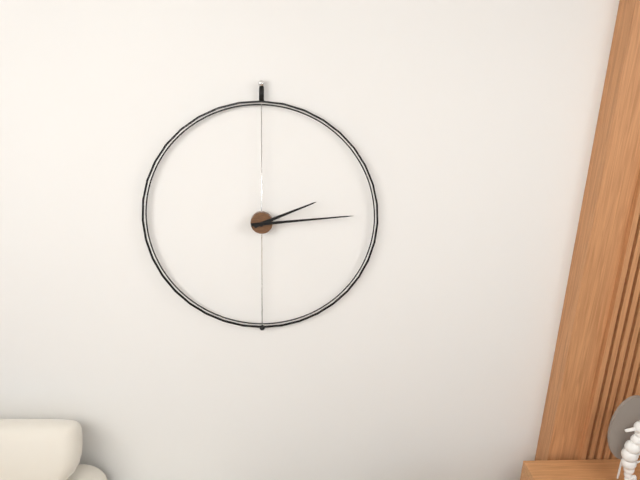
2:14
